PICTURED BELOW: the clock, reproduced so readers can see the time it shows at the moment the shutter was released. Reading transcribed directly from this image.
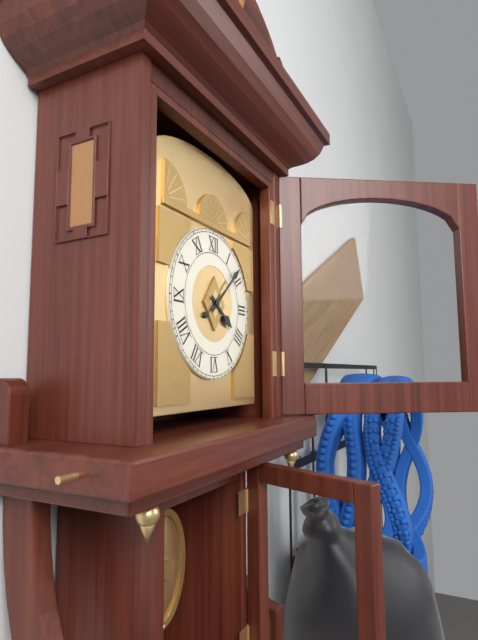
4:08
